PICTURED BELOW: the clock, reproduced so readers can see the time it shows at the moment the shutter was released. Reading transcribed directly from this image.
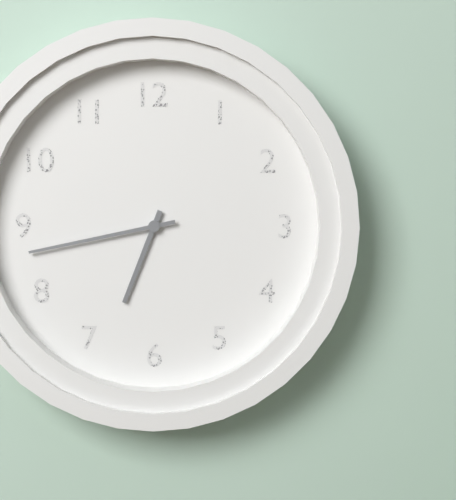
6:43
